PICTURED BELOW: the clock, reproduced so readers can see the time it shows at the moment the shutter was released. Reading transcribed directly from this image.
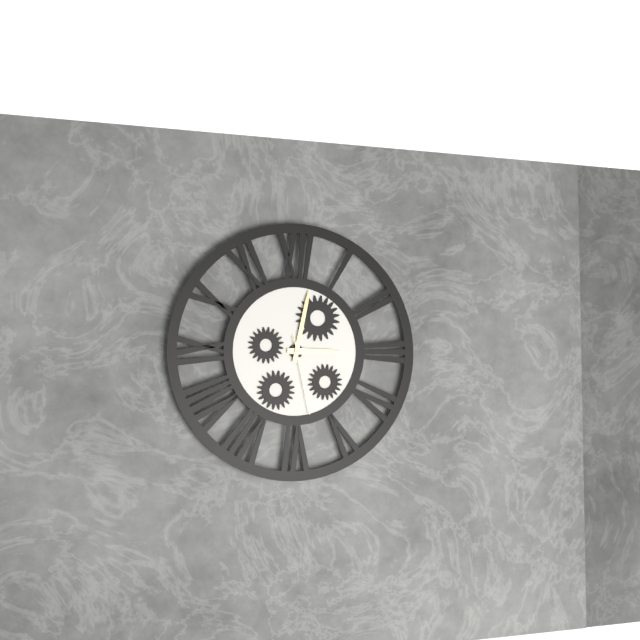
3:02:28
